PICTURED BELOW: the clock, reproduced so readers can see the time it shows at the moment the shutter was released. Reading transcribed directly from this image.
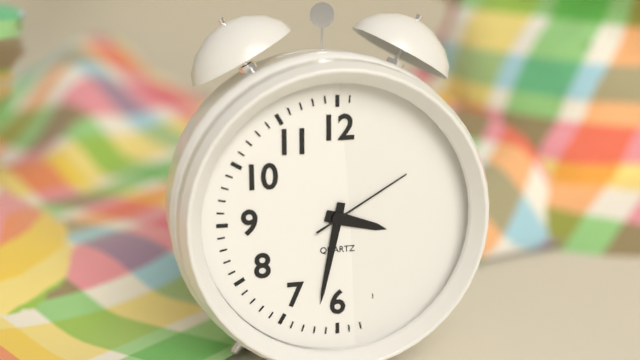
3:32:10
